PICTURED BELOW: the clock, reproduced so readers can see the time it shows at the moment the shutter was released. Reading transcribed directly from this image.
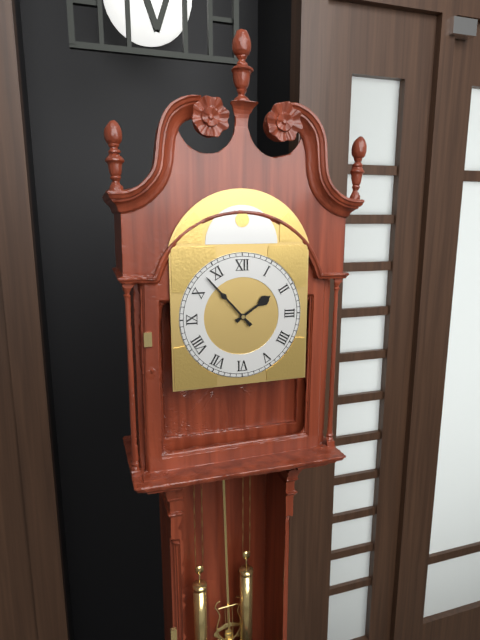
1:53
